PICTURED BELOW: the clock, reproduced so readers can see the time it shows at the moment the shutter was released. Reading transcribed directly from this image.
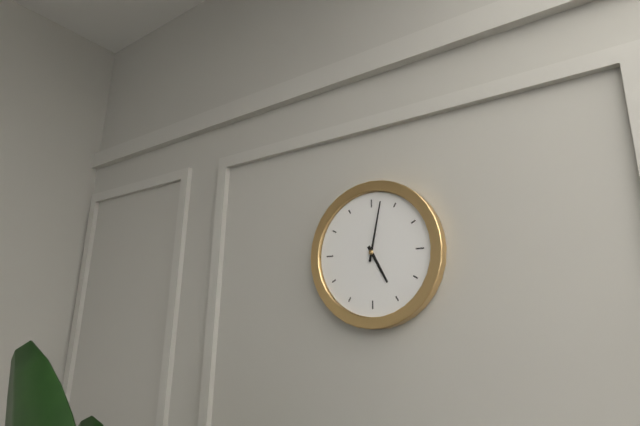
5:02
